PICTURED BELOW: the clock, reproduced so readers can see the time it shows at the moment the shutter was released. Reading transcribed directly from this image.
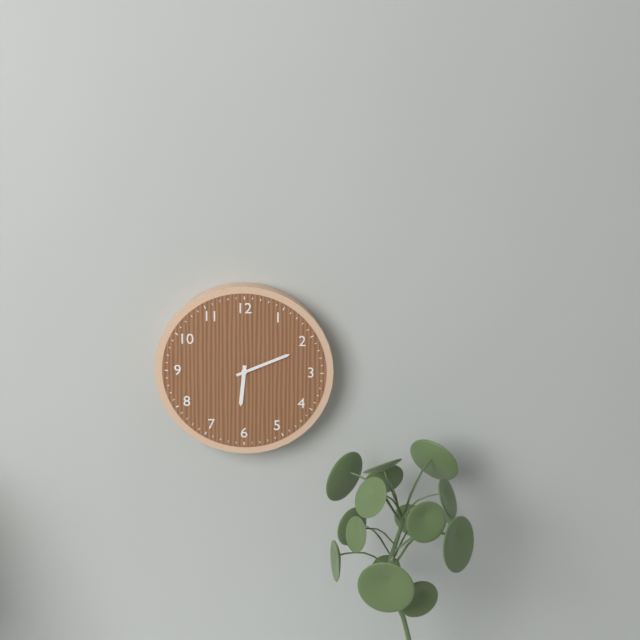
6:11
